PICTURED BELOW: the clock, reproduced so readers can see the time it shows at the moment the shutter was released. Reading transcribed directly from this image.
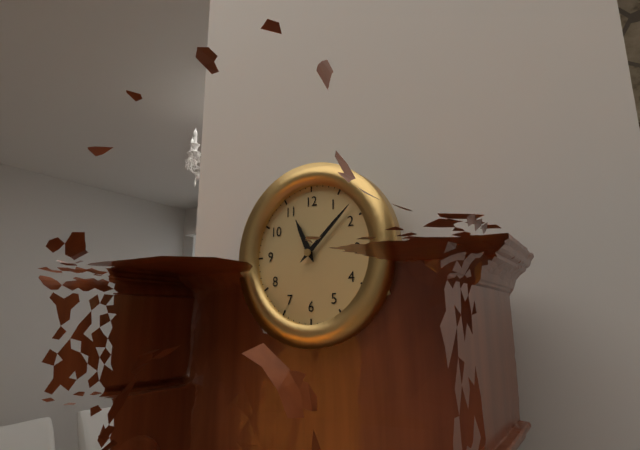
11:08
